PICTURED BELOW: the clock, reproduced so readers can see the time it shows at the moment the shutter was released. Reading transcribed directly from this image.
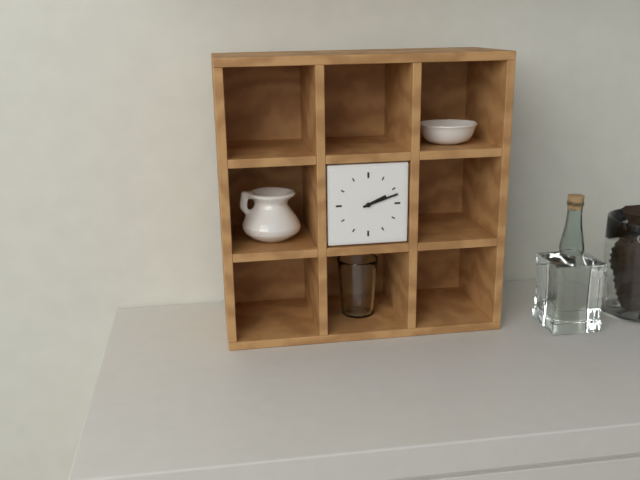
2:12
